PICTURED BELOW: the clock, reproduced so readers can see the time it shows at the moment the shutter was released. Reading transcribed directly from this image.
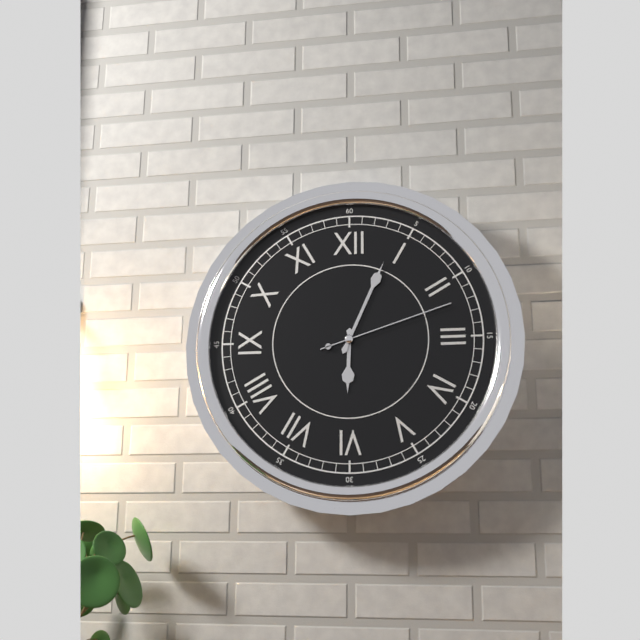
6:04:12
